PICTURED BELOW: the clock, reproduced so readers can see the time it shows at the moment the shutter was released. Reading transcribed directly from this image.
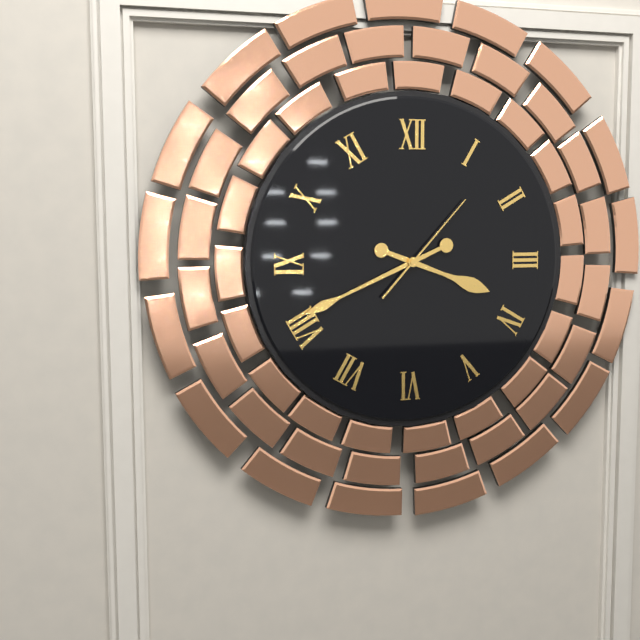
3:41:07
